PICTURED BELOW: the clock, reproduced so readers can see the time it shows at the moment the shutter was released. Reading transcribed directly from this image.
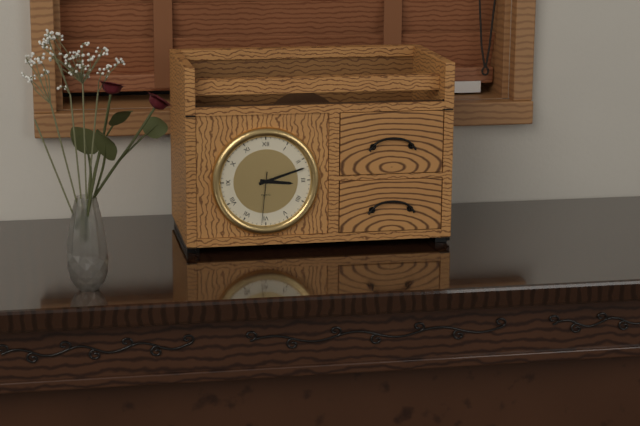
3:12:31
